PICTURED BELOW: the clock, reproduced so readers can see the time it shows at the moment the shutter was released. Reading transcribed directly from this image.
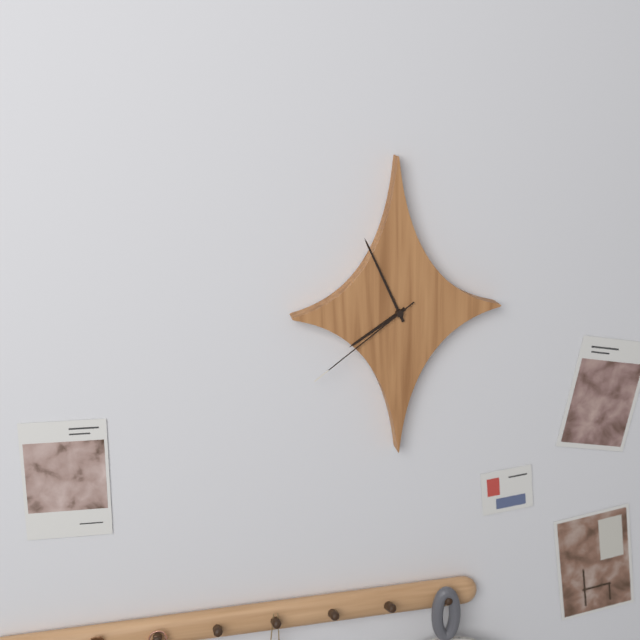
7:56:39
